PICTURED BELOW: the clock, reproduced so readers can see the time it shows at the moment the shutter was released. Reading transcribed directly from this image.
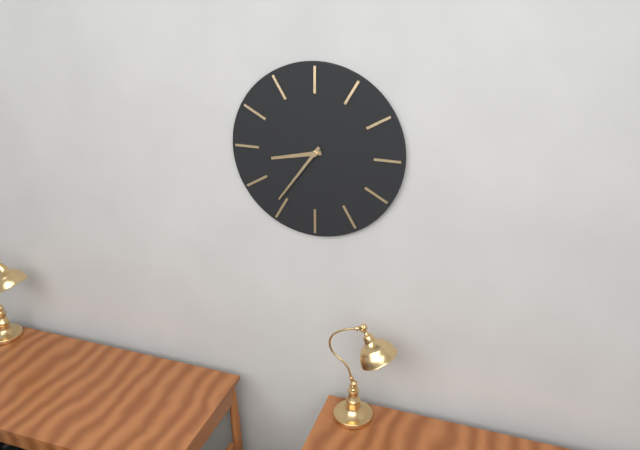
8:36
